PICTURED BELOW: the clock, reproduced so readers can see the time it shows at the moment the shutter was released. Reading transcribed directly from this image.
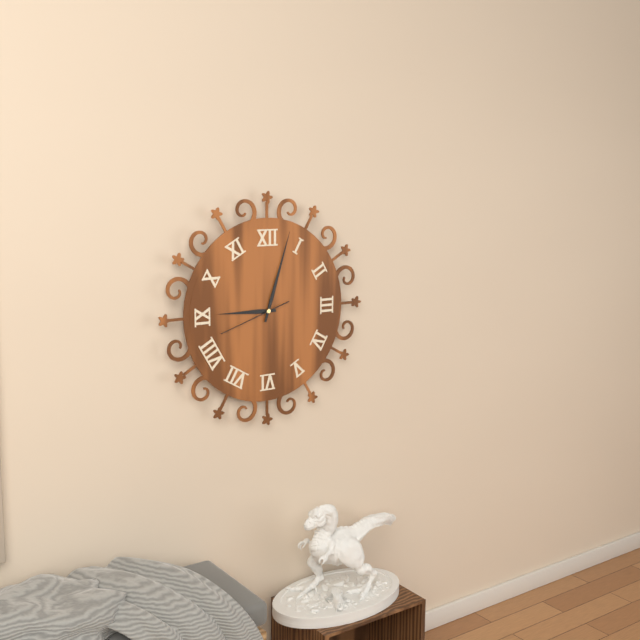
9:03:42
